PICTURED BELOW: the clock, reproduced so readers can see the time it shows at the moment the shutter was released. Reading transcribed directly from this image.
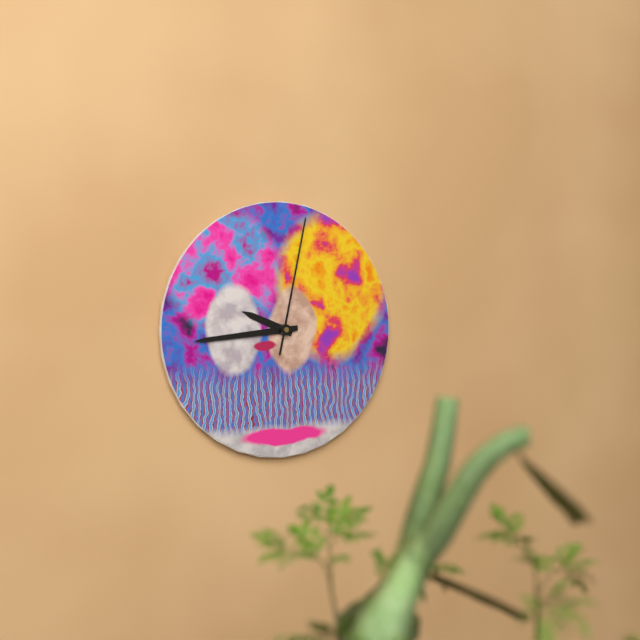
9:44:02
